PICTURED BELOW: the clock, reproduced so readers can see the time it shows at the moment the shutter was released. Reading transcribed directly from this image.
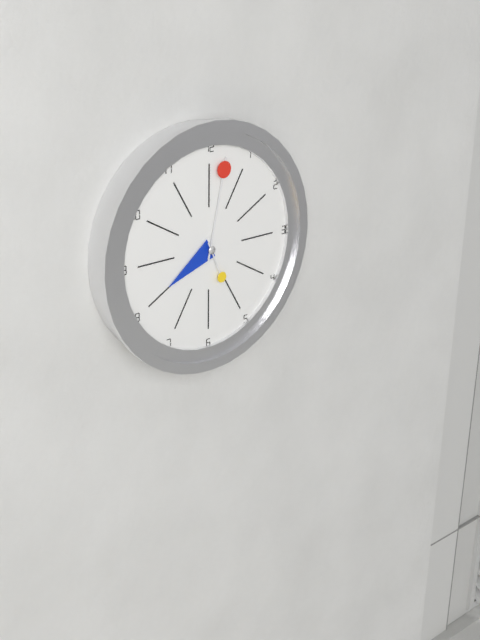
8:02:26
